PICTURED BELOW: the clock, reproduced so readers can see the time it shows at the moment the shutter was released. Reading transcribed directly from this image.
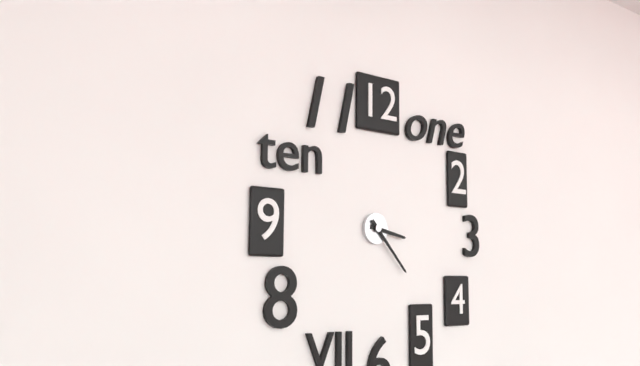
3:23
